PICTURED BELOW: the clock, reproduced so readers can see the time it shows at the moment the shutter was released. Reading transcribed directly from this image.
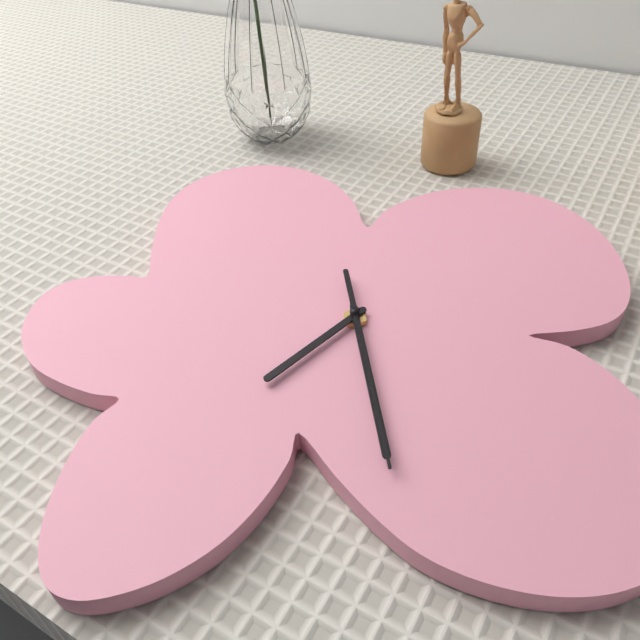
7:29:29
